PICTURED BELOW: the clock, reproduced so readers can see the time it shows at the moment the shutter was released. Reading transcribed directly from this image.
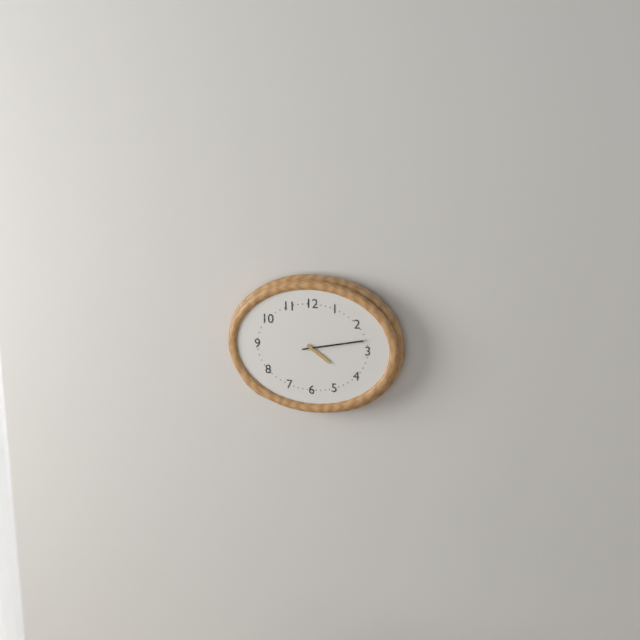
4:13
